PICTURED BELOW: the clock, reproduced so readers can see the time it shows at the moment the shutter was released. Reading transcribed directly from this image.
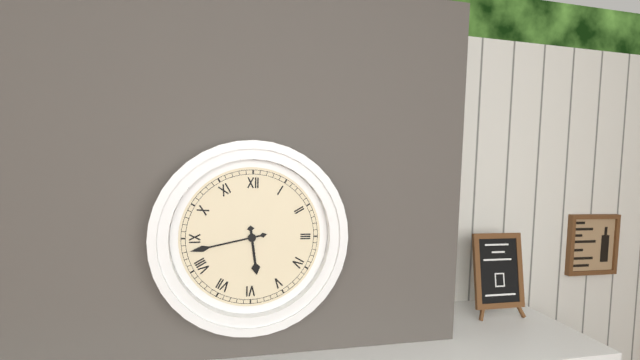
5:43
